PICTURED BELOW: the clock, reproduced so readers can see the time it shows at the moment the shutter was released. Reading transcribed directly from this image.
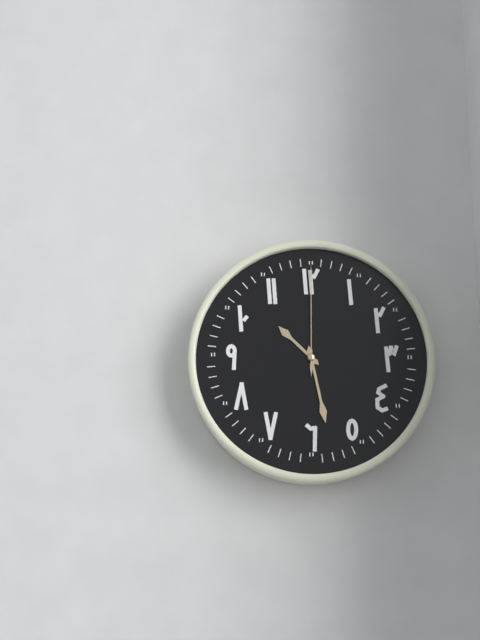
10:28:00
